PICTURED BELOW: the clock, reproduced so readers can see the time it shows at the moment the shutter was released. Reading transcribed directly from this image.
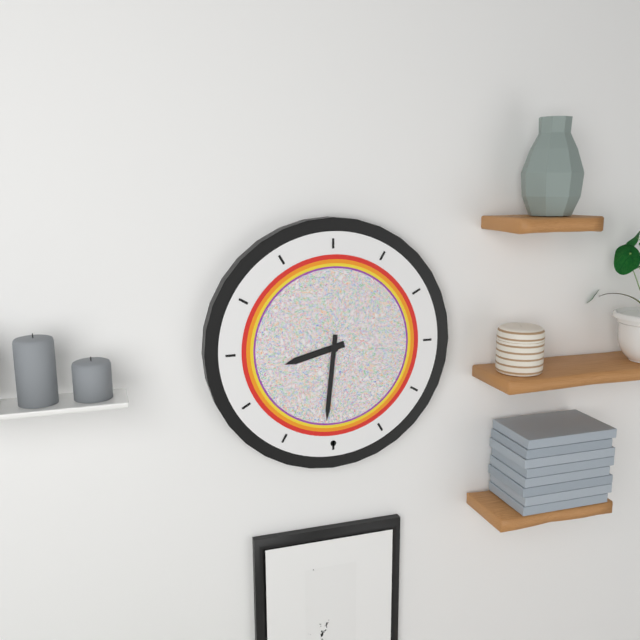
8:31
